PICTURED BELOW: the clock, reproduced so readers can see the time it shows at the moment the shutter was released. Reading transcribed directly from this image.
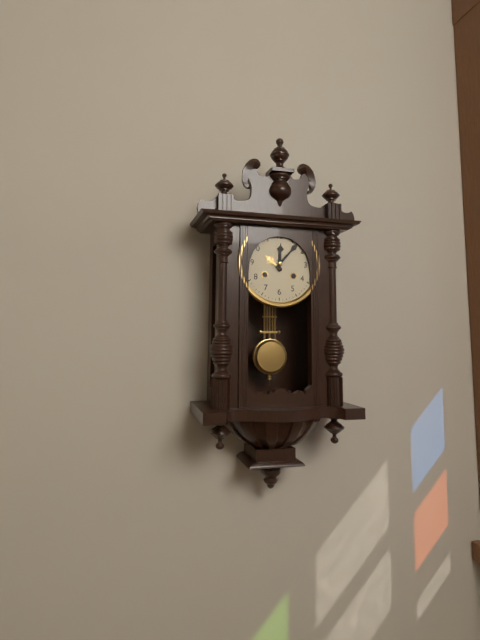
12:07
